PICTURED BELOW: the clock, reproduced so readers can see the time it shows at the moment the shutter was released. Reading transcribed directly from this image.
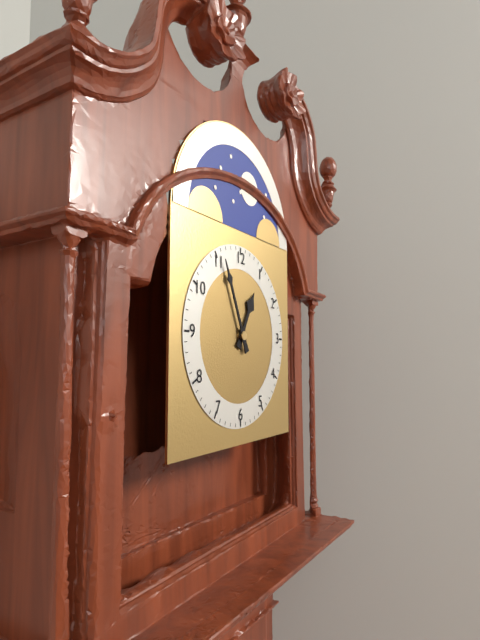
12:56
